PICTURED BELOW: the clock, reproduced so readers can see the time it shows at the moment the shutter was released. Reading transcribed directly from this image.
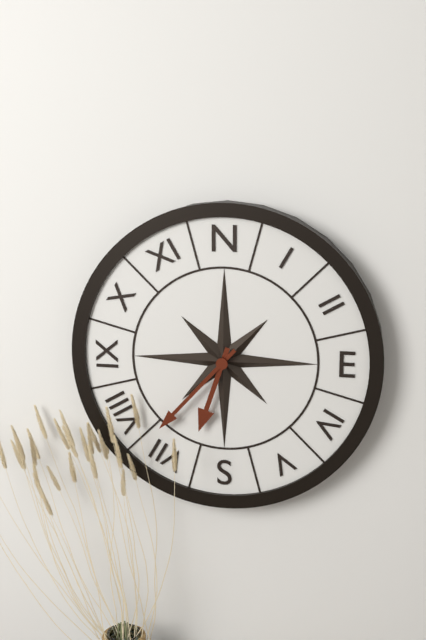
6:37
